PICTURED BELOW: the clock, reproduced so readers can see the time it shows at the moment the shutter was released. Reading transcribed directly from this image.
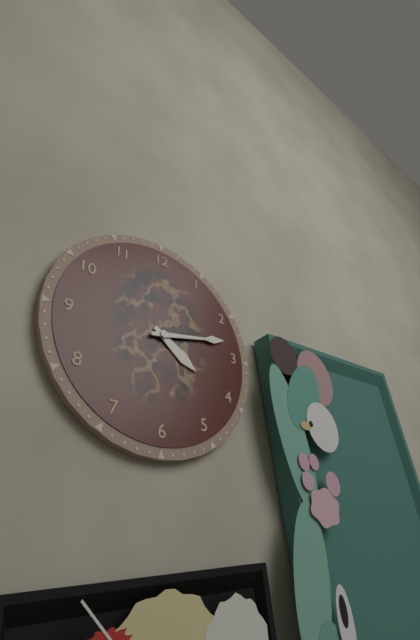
4:13
